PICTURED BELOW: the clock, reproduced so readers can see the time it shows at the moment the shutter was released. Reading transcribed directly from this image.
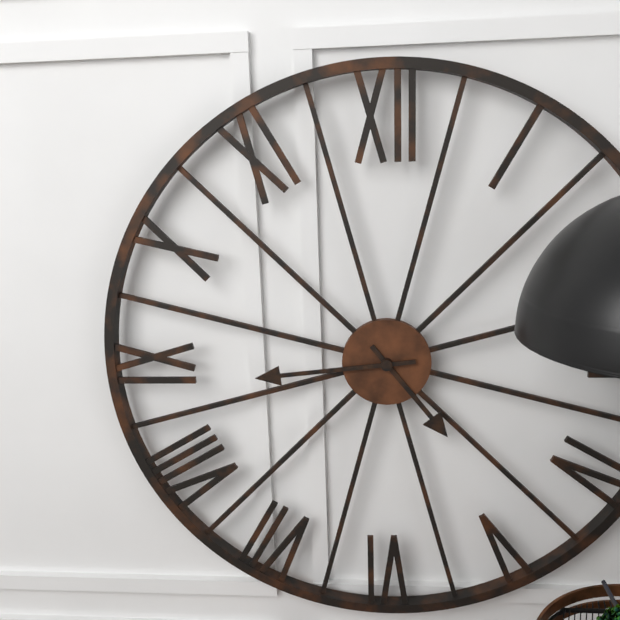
4:44
